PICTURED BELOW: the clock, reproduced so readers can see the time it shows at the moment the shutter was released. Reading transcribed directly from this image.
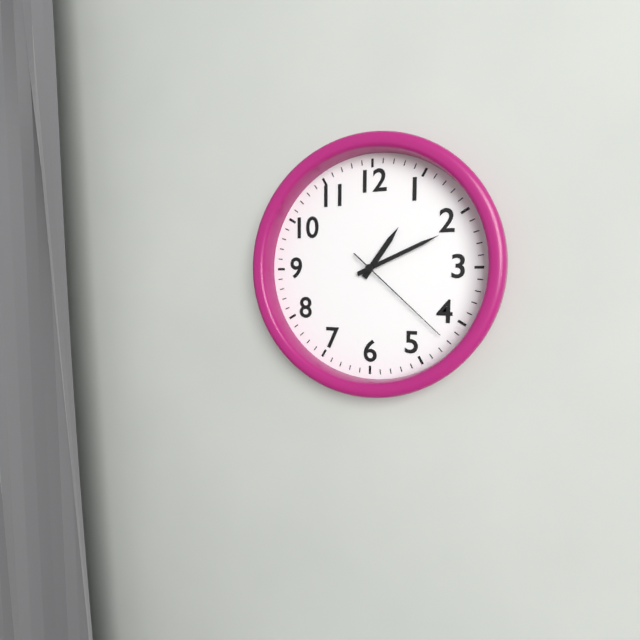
1:11:22
